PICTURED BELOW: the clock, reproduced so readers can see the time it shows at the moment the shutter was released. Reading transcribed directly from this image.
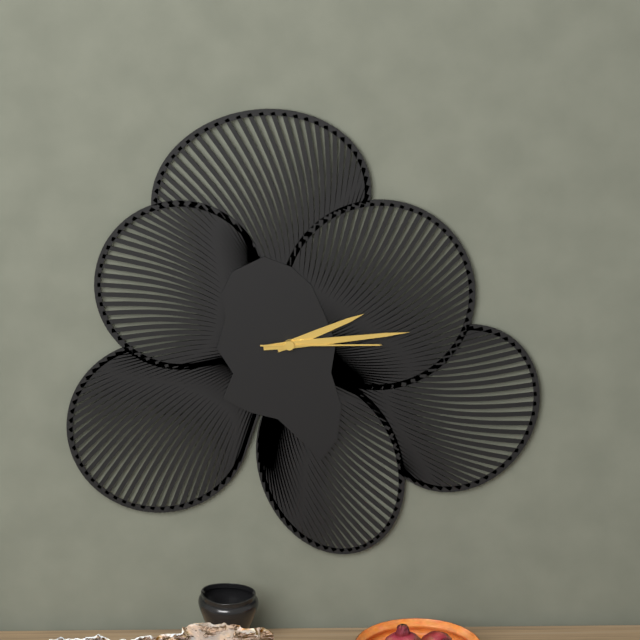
2:14:15
